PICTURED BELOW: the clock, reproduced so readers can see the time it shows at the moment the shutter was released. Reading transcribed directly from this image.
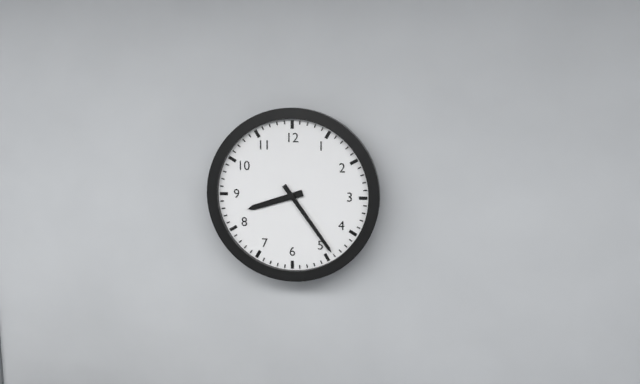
8:24
